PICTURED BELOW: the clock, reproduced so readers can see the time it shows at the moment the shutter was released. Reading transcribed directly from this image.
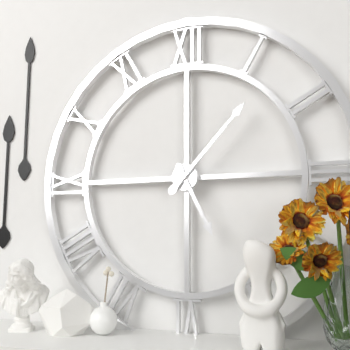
5:07
